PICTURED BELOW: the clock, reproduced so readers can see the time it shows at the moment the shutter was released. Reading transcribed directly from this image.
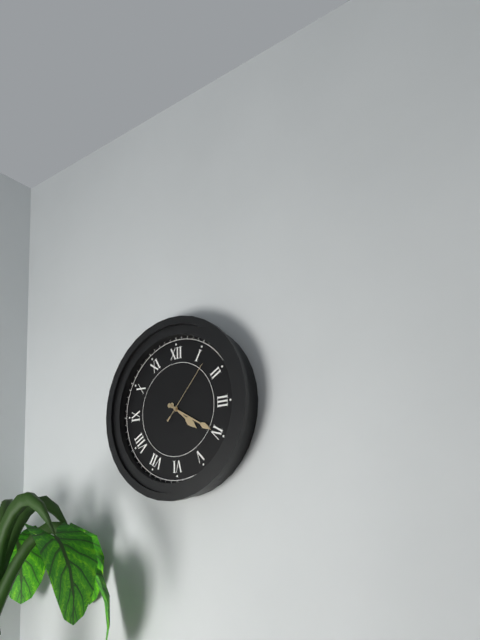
4:20:07
